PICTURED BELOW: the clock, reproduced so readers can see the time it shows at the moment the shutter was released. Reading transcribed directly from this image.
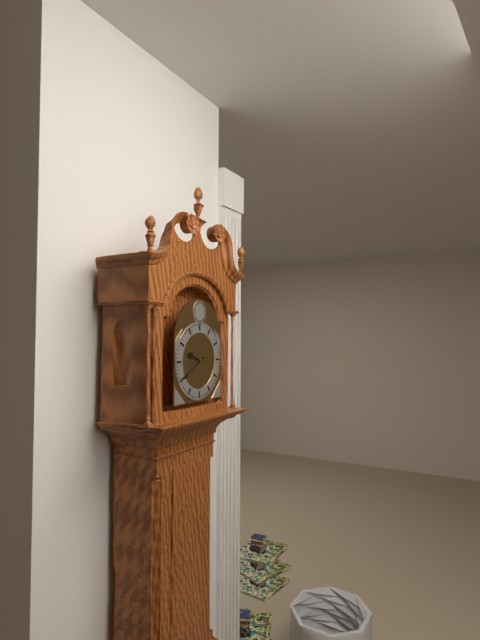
9:40
